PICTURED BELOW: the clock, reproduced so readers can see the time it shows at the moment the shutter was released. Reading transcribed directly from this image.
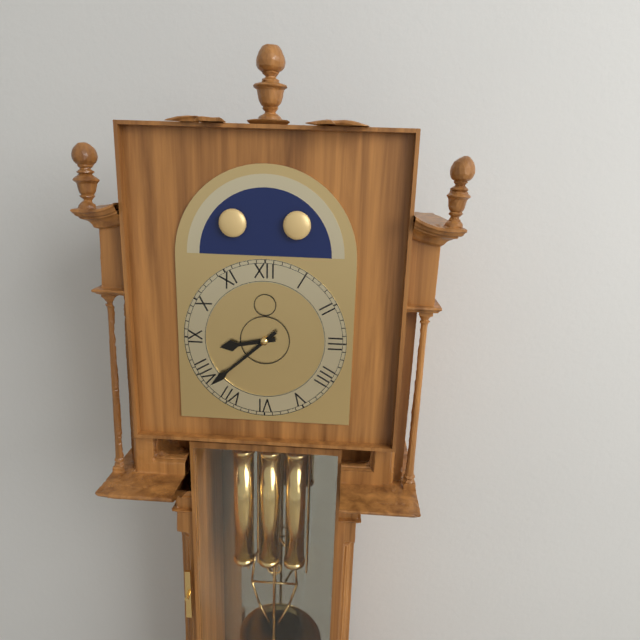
8:38
